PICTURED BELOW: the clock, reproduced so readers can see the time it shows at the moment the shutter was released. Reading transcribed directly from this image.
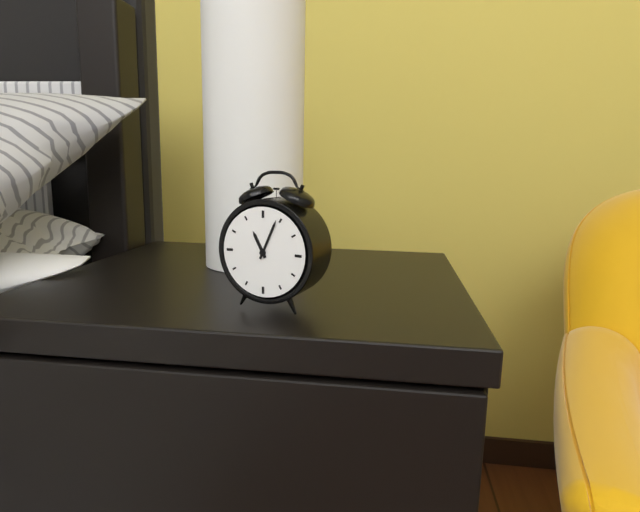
11:04
